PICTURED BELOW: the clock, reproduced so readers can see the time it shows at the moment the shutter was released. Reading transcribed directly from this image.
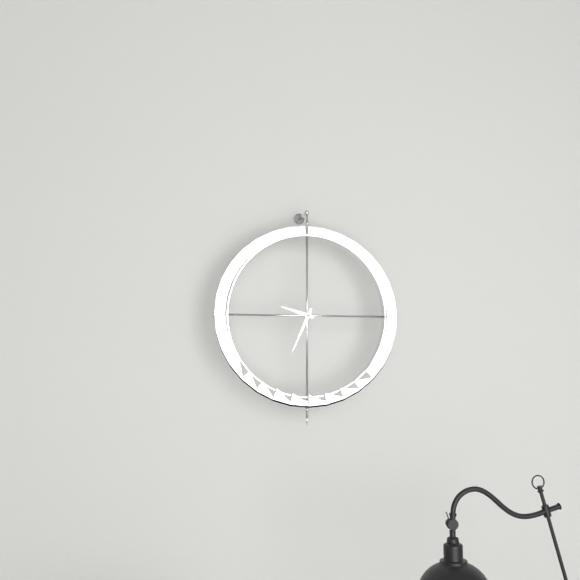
9:34
